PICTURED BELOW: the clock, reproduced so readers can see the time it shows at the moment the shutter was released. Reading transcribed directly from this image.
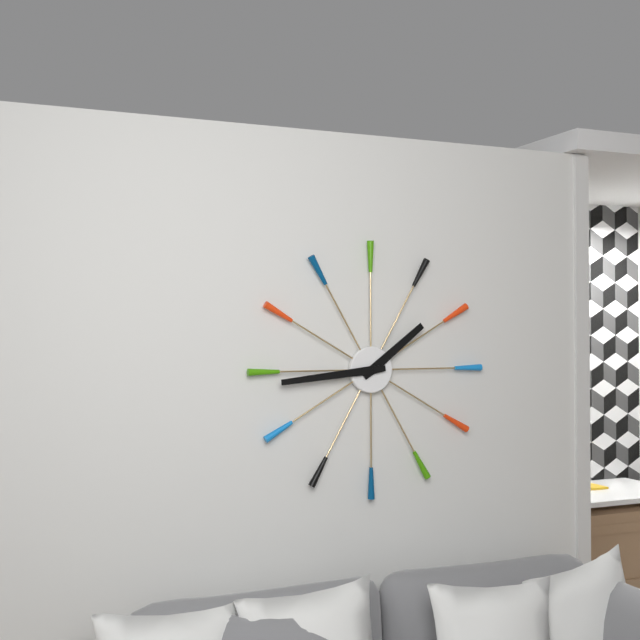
1:44
